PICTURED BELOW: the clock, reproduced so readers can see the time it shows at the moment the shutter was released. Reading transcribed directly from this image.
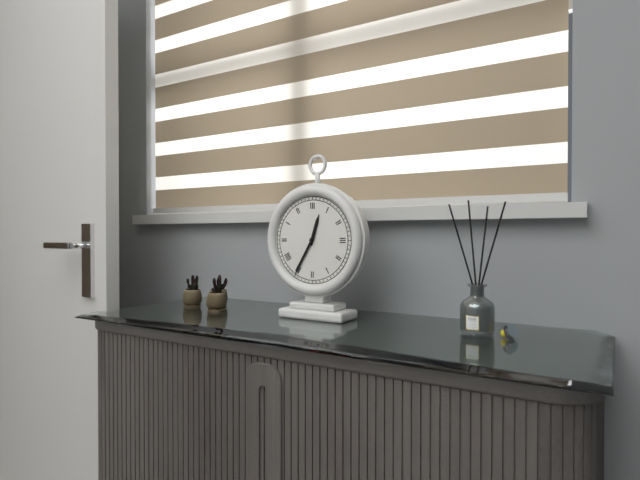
12:35
